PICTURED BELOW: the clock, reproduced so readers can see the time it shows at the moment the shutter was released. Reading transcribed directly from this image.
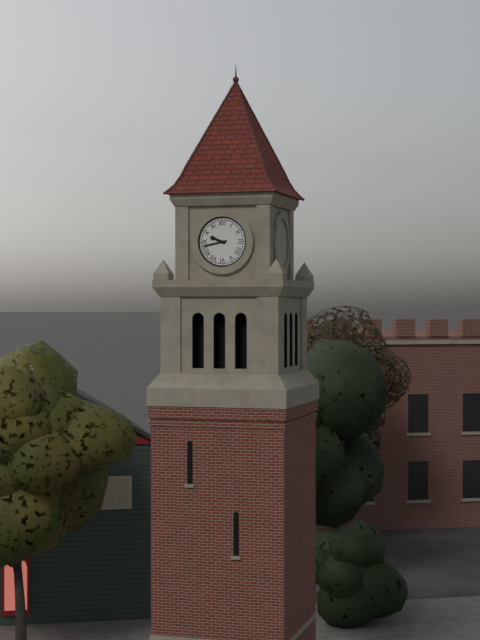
9:43
